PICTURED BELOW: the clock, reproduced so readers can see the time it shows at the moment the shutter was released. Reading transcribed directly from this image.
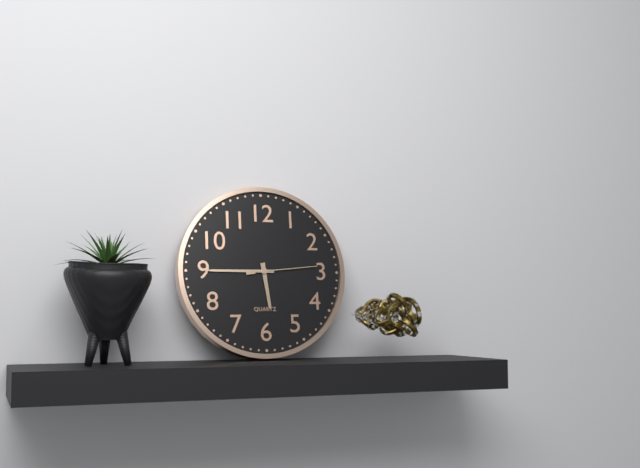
5:45:14
